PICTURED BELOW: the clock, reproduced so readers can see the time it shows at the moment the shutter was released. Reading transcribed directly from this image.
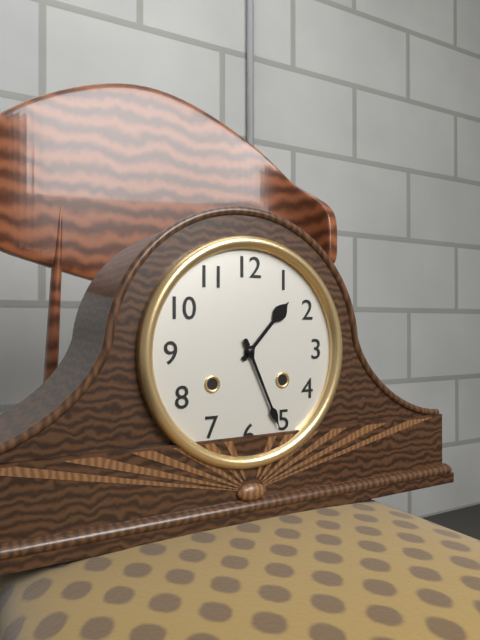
1:26
